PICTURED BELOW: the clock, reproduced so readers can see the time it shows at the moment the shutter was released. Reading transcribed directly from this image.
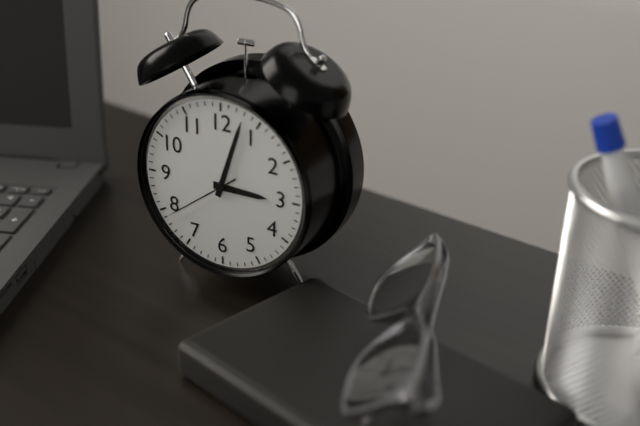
3:03:39
